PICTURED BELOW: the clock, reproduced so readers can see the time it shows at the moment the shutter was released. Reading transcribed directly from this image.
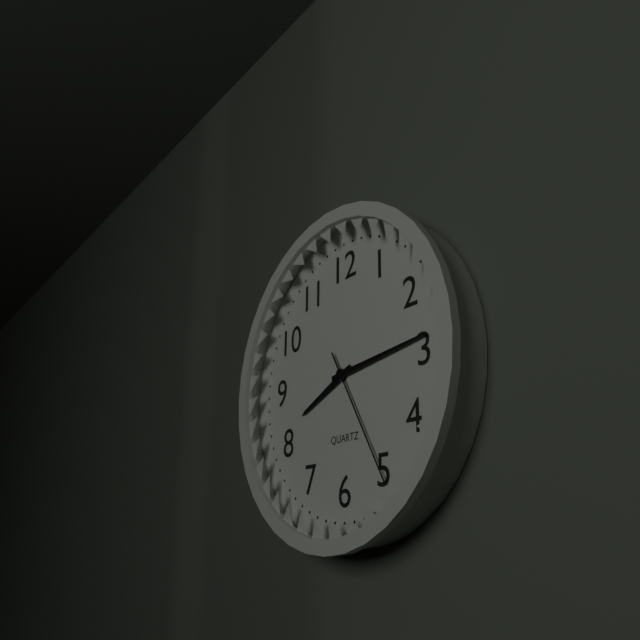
8:14:25
